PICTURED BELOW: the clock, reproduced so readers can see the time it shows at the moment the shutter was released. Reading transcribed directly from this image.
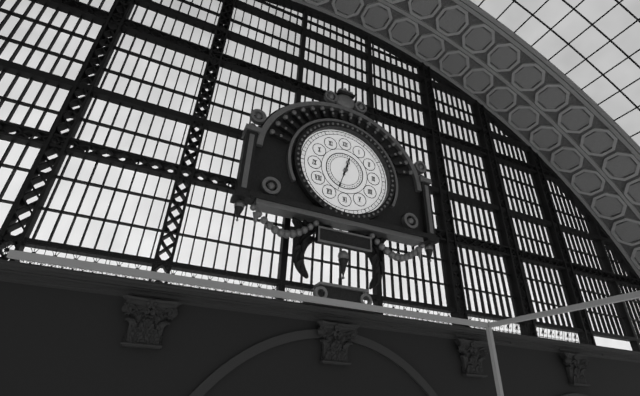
12:33
